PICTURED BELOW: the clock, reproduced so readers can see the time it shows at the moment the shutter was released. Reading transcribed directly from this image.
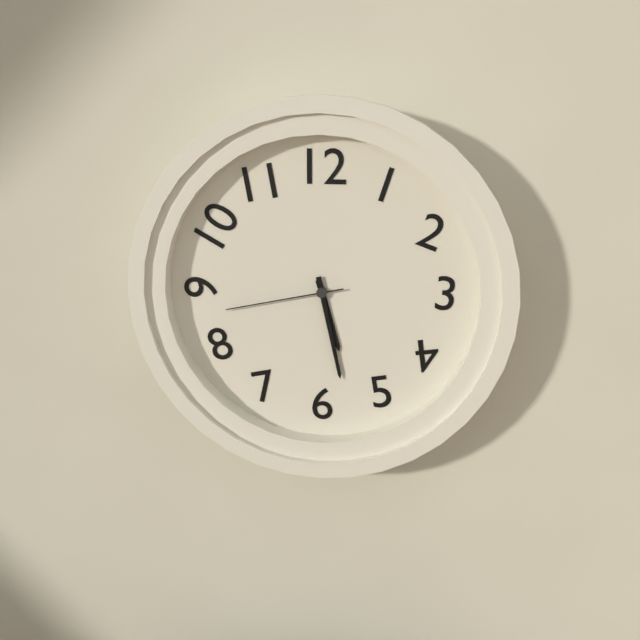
5:28:43
